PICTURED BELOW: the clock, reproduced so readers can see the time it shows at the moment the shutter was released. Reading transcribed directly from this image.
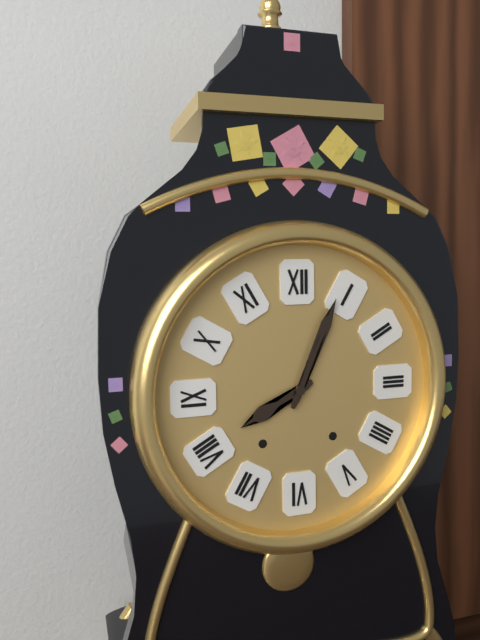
8:04
